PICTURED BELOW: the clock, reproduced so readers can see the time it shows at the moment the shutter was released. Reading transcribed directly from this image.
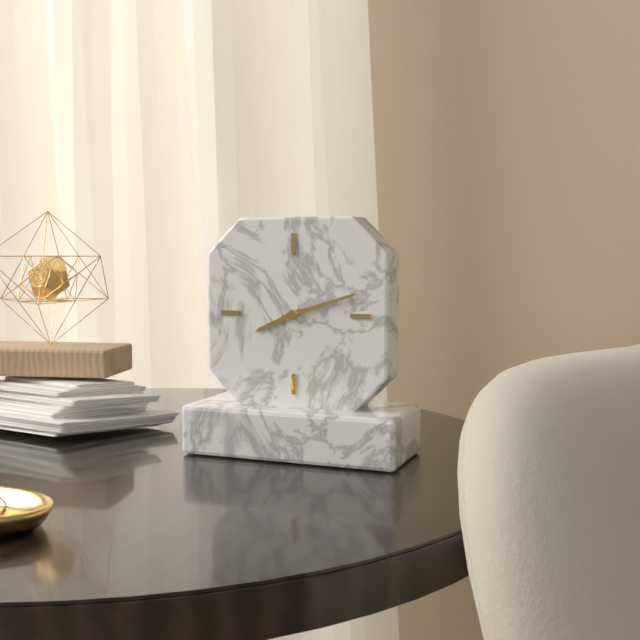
8:12
